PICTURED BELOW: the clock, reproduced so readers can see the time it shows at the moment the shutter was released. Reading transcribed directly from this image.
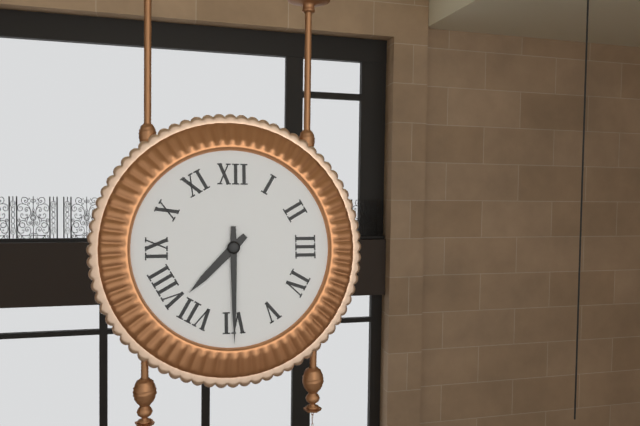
7:30
